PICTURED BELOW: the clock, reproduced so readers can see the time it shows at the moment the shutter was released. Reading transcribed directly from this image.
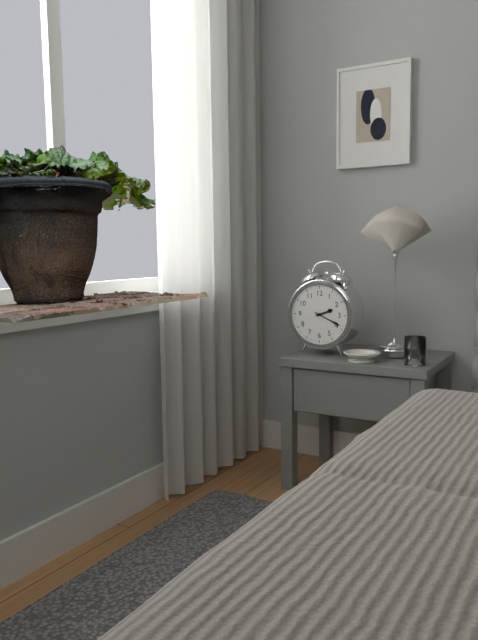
2:19
